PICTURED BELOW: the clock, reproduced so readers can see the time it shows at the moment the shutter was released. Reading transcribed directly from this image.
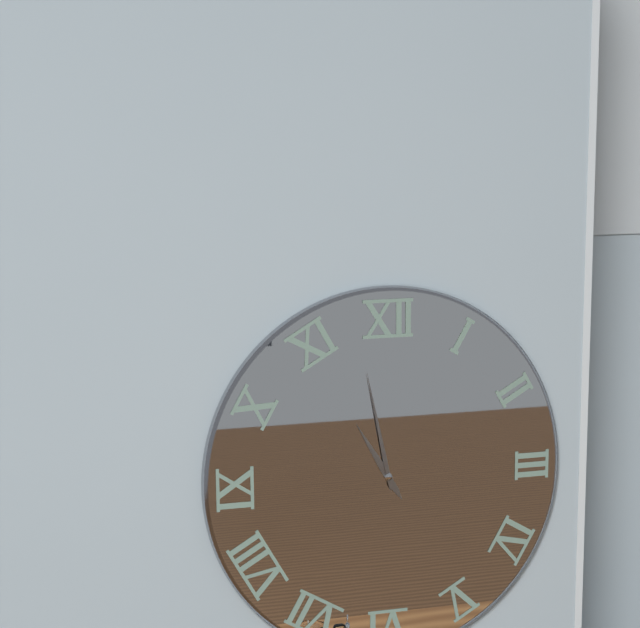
10:58
